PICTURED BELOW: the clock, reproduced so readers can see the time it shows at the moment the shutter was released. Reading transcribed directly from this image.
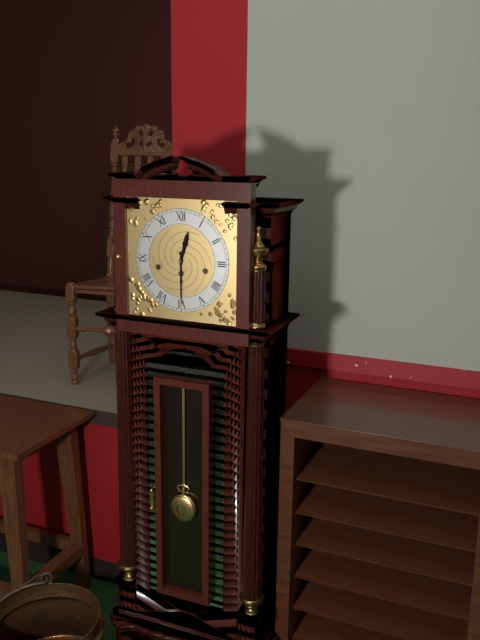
12:30
